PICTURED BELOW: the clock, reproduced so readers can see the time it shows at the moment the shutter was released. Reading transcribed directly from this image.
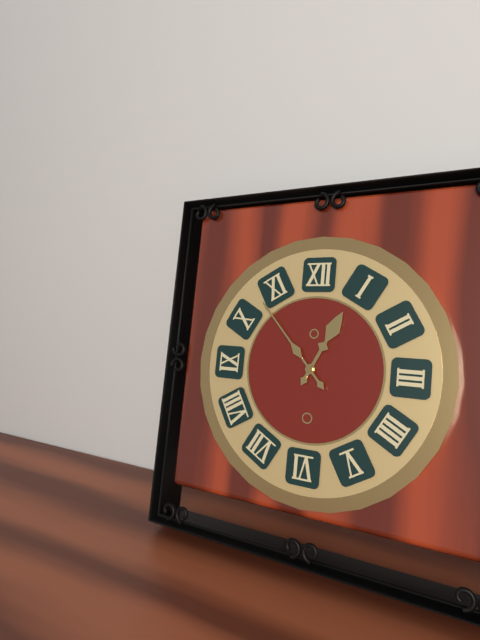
12:53
